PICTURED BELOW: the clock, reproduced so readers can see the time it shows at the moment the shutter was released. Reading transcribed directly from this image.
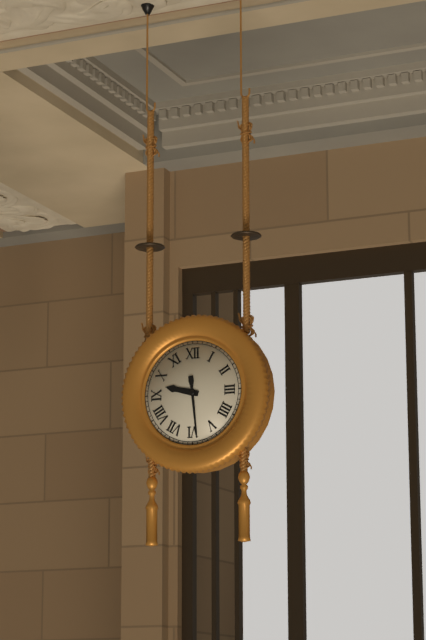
9:29
